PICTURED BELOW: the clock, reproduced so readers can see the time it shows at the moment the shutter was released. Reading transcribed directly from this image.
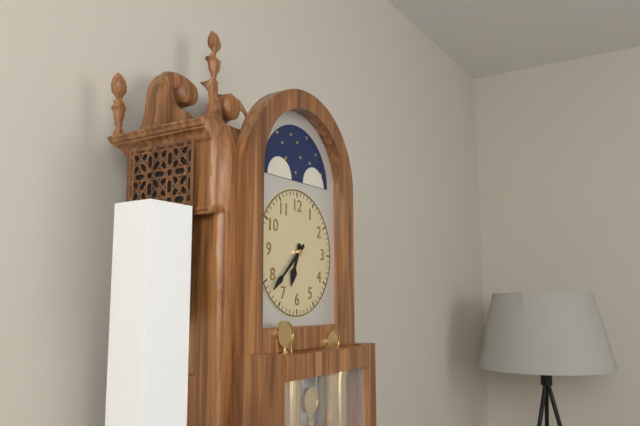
6:38
